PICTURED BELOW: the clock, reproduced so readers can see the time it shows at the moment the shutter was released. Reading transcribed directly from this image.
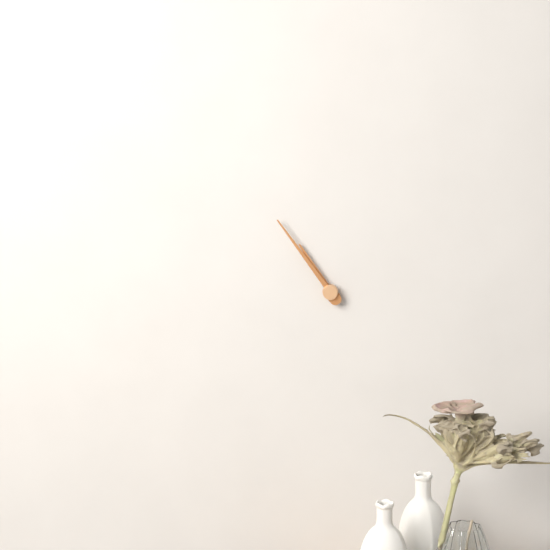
10:54
